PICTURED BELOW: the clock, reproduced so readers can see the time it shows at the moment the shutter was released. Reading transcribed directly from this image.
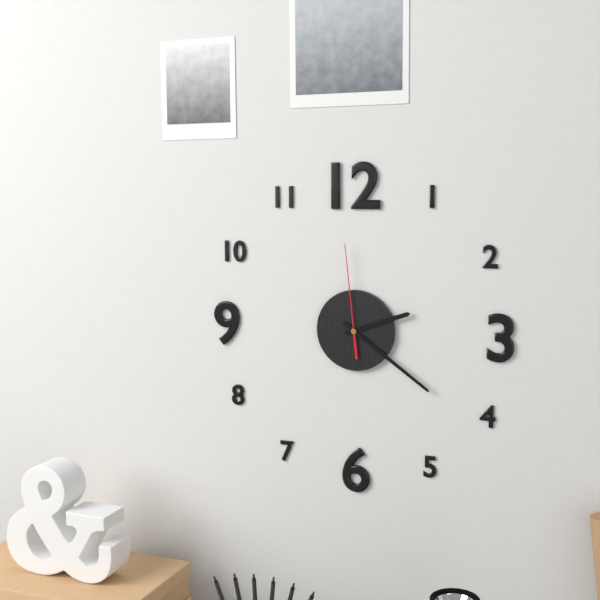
2:21:59
